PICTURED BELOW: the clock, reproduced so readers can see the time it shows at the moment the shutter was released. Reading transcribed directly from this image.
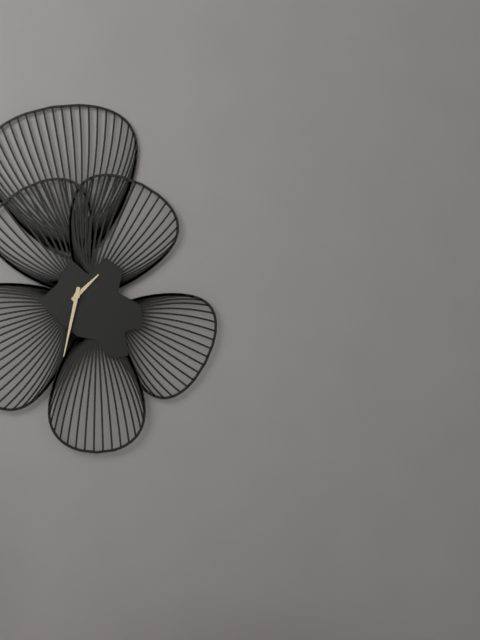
1:32
